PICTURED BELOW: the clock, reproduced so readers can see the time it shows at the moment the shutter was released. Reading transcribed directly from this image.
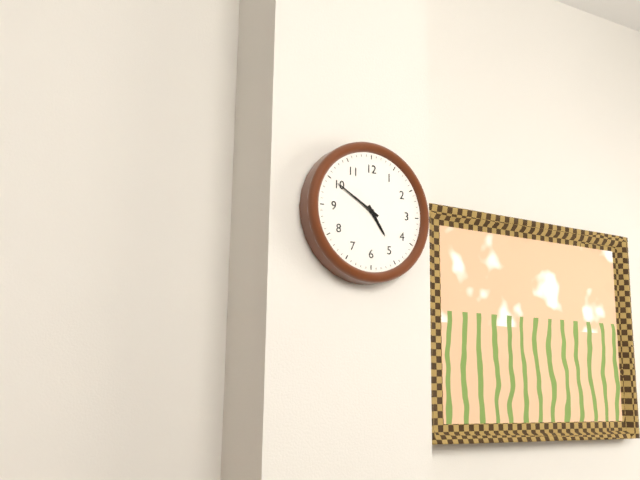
4:50
